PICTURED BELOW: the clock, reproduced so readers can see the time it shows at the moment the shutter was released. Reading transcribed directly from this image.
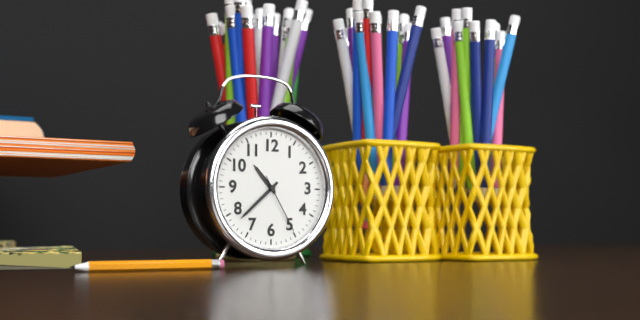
10:38:25
